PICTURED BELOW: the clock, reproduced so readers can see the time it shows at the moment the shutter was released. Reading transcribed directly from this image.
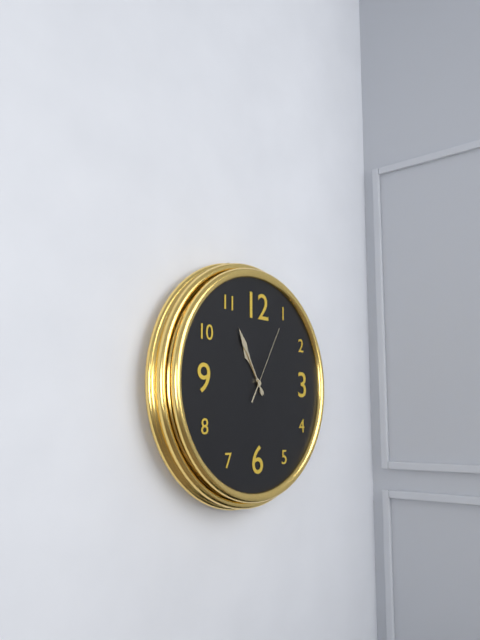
10:55:05
